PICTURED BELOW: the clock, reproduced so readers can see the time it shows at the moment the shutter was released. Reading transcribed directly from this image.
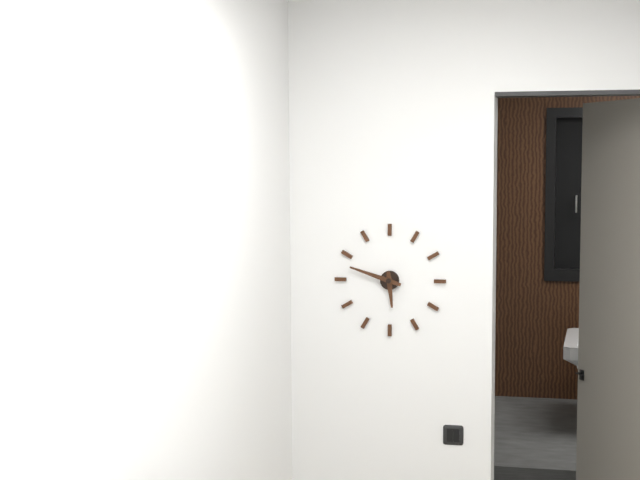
5:48
